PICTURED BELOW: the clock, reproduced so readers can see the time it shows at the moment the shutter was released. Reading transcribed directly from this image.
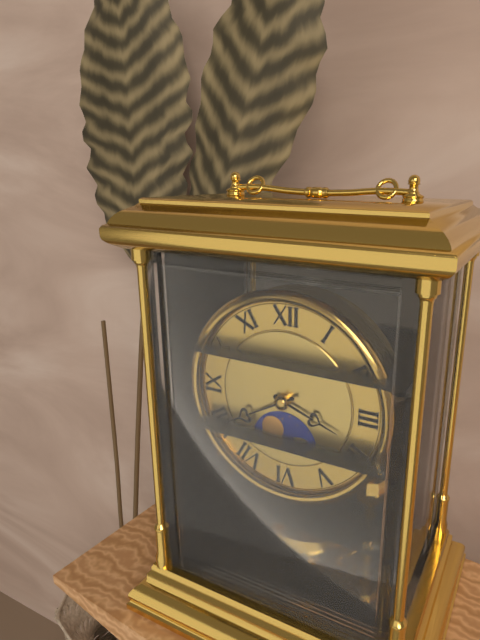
3:40
